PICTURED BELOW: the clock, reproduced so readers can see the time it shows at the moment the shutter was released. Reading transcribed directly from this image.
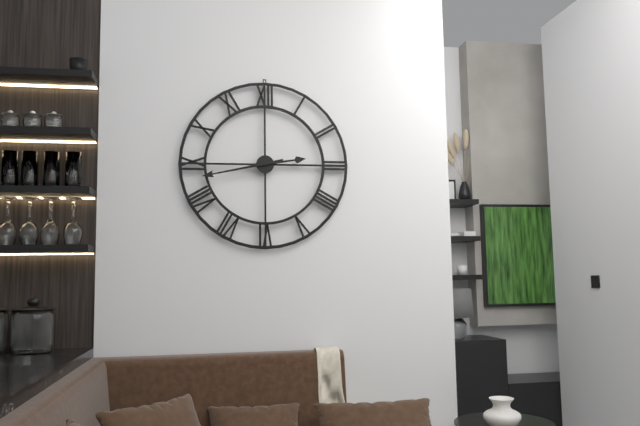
2:43
